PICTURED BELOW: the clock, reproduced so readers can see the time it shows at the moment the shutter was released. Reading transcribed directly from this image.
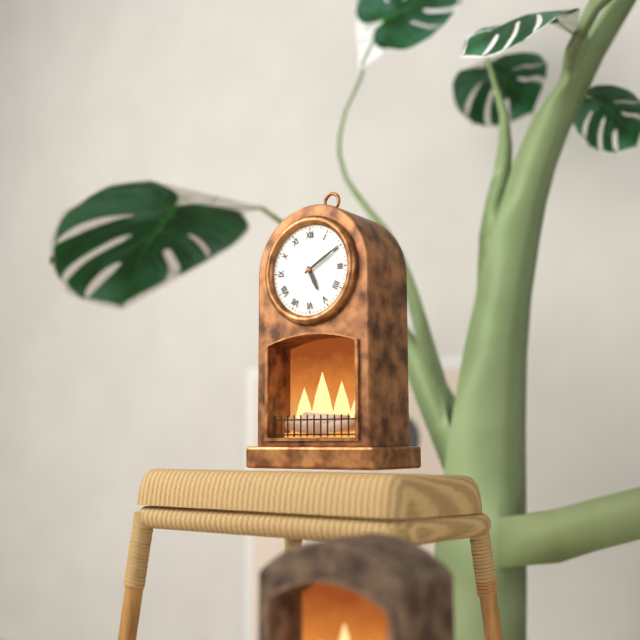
5:10
